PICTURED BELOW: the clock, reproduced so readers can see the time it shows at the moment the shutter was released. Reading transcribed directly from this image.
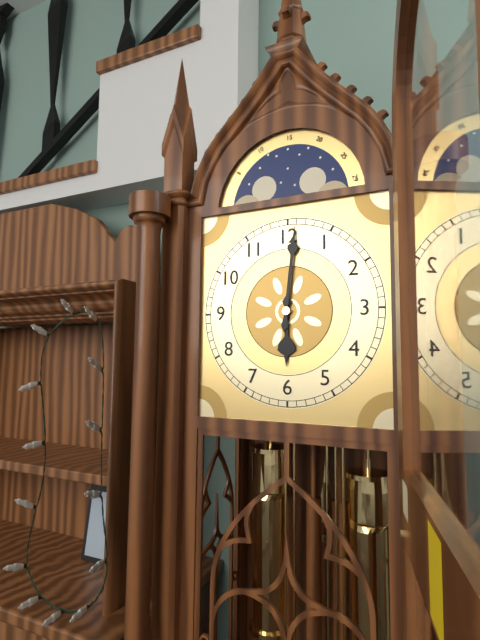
6:01
